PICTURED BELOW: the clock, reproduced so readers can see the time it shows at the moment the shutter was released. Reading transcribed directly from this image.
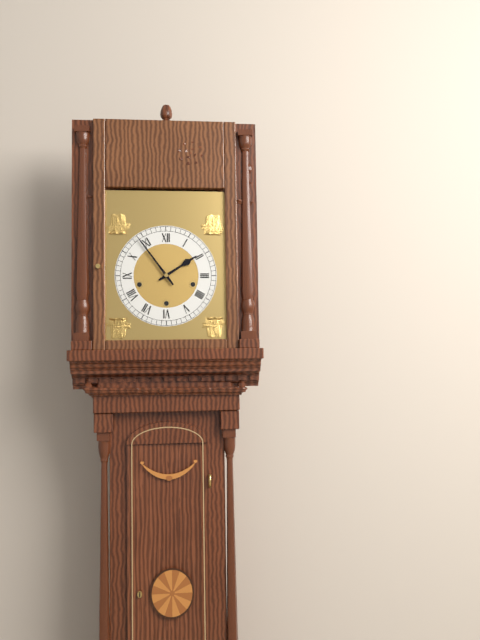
1:54
